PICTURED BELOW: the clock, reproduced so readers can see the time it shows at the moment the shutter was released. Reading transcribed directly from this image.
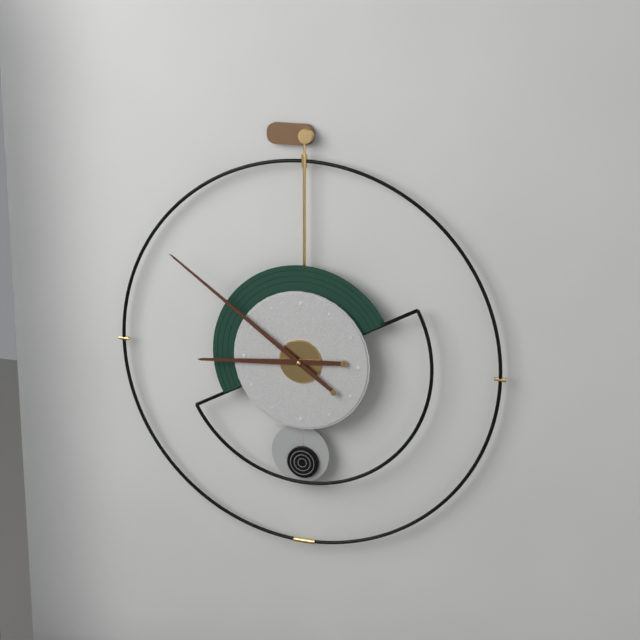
8:51
